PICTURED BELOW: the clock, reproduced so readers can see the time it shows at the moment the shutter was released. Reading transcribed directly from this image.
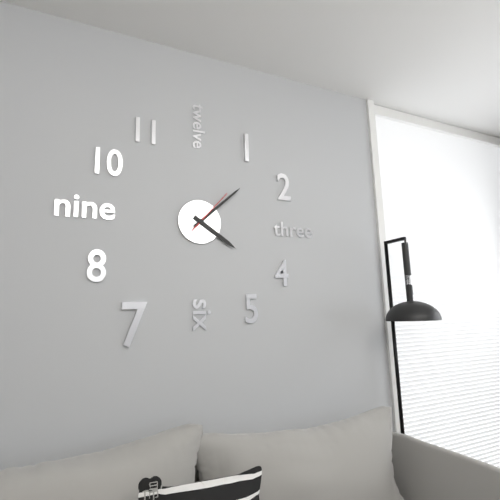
4:08
